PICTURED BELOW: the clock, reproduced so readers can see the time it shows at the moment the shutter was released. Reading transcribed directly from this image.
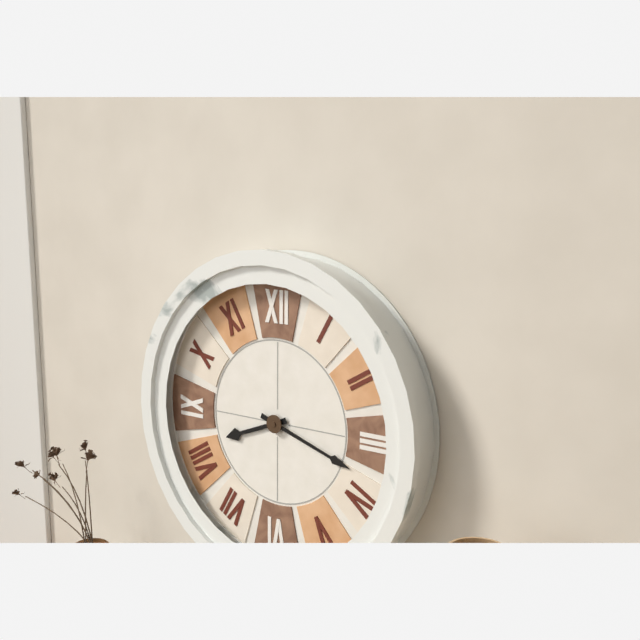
8:18
